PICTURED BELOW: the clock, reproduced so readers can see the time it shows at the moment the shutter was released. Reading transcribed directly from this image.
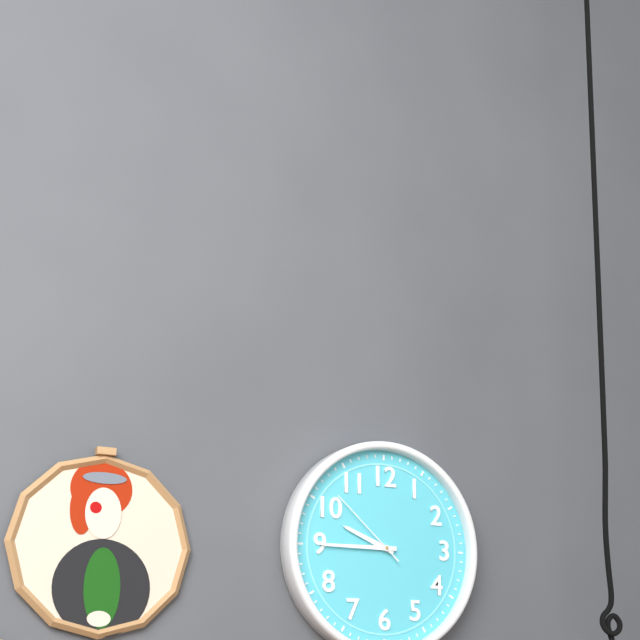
9:45:52
